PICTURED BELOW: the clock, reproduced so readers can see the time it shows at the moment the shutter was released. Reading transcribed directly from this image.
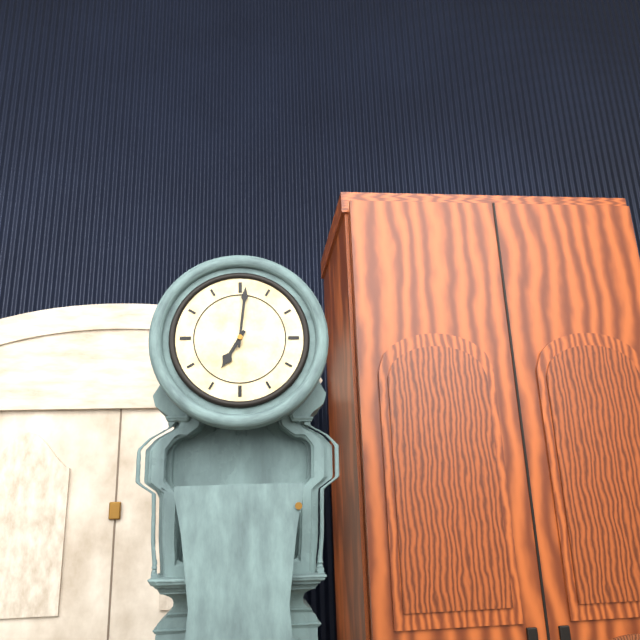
7:01
